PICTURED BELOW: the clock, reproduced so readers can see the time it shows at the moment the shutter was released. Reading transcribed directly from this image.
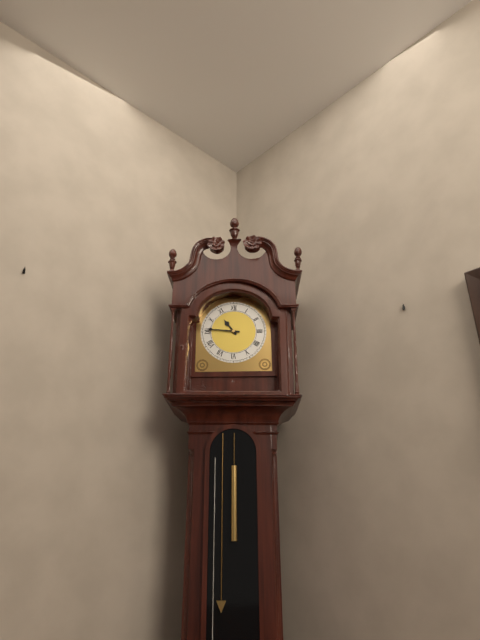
10:46
